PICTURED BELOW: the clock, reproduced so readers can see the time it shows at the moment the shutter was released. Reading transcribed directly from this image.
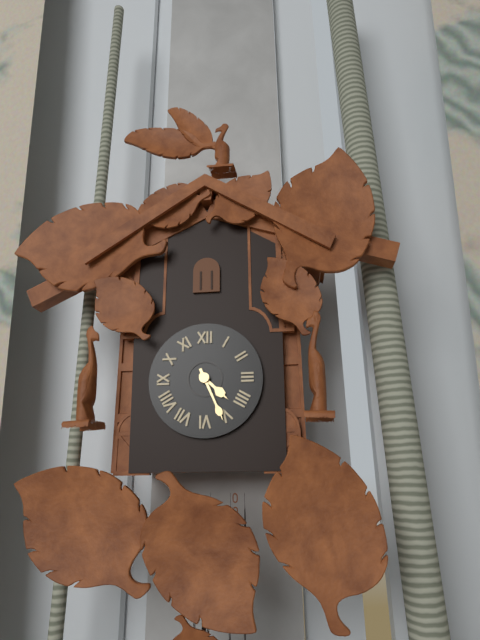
4:26
